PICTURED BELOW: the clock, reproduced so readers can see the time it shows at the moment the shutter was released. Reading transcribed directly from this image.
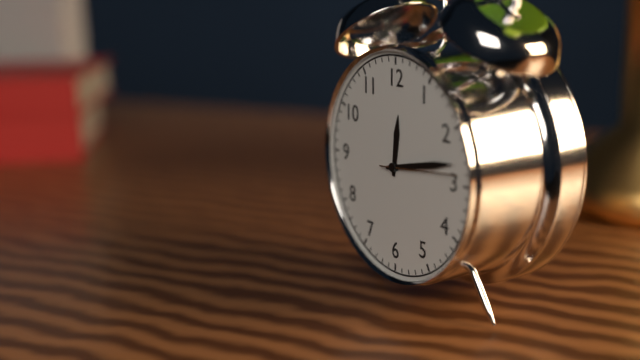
12:13:14
